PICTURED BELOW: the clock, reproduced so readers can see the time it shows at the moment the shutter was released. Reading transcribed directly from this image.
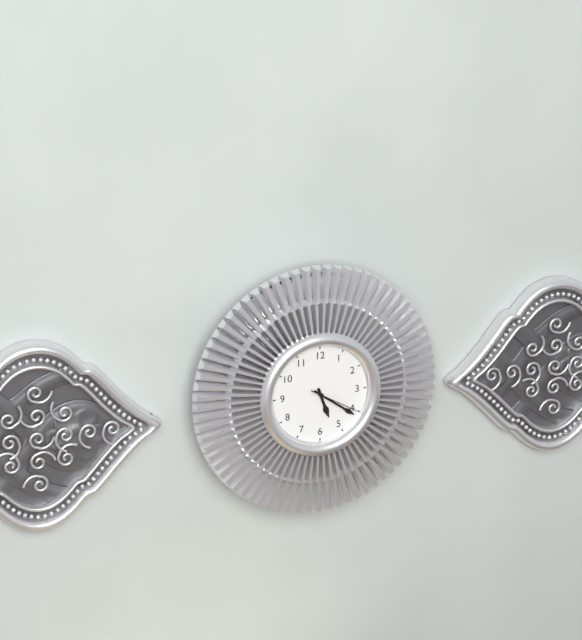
5:21:20
